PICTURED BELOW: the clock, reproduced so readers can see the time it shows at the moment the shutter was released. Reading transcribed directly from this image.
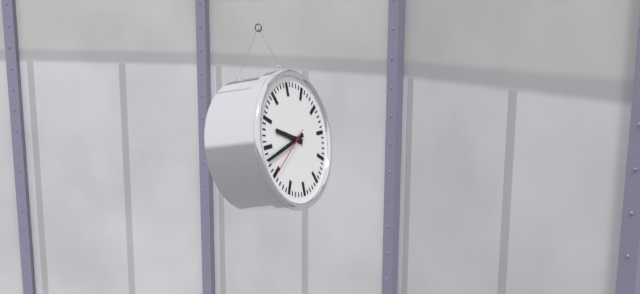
9:43
